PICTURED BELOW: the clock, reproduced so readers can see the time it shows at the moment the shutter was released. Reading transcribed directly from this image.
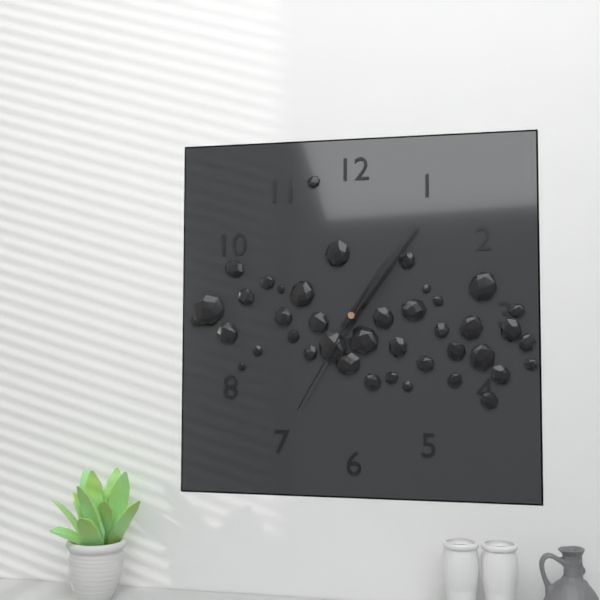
1:06:35
